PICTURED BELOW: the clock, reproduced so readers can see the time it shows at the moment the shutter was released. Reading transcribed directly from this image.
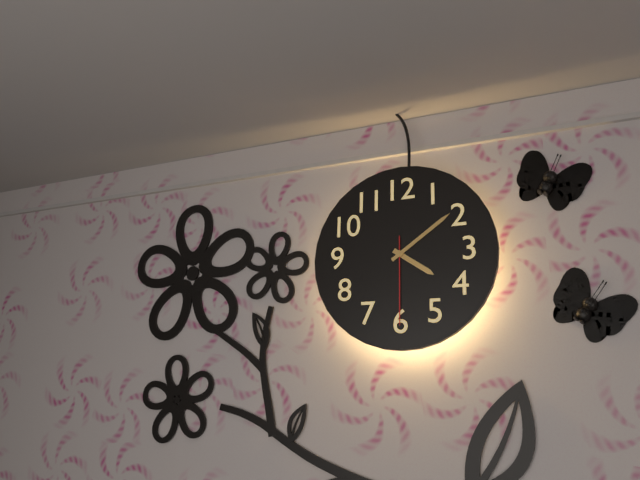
4:09:30
